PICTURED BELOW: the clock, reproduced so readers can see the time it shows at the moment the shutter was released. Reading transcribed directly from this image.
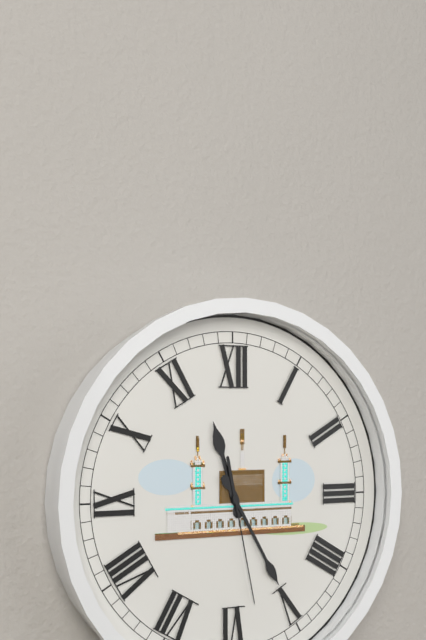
11:25:28
